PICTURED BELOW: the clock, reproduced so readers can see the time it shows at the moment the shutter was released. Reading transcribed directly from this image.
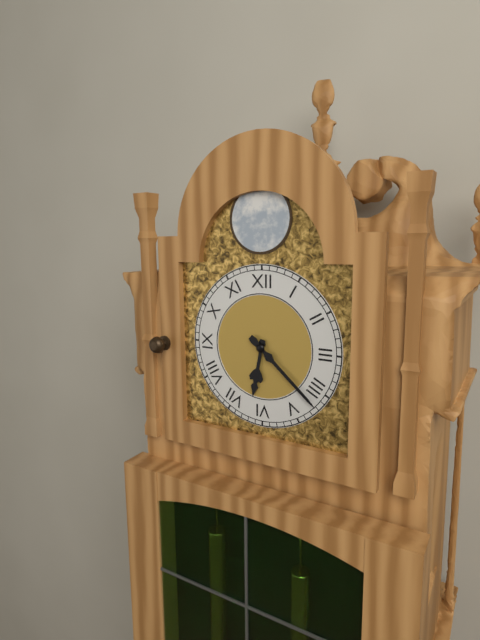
6:22
